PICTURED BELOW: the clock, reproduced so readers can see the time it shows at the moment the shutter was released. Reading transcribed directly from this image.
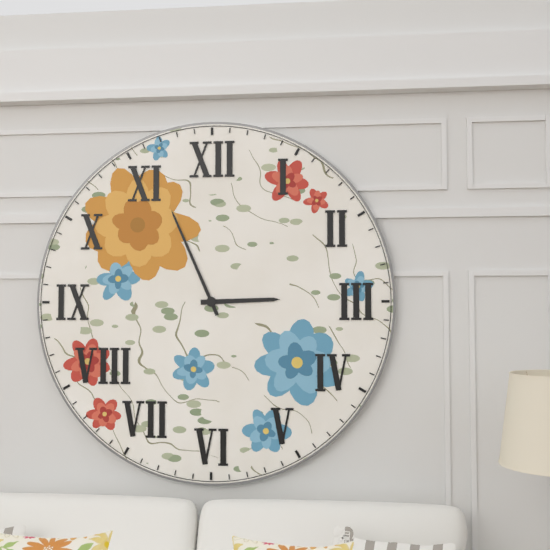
2:56
